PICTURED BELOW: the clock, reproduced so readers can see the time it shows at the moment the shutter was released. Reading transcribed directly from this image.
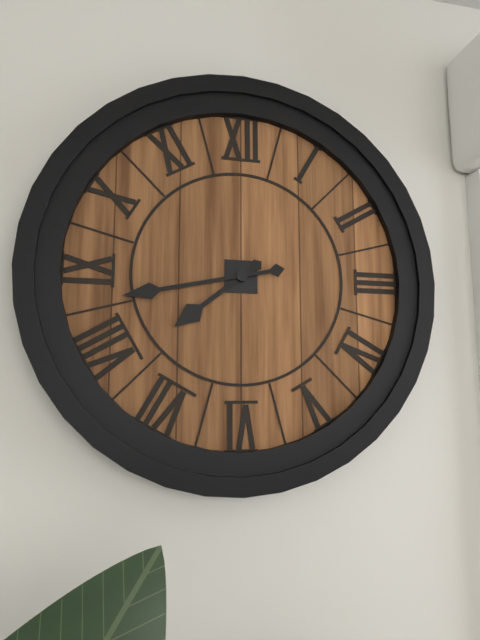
7:43
